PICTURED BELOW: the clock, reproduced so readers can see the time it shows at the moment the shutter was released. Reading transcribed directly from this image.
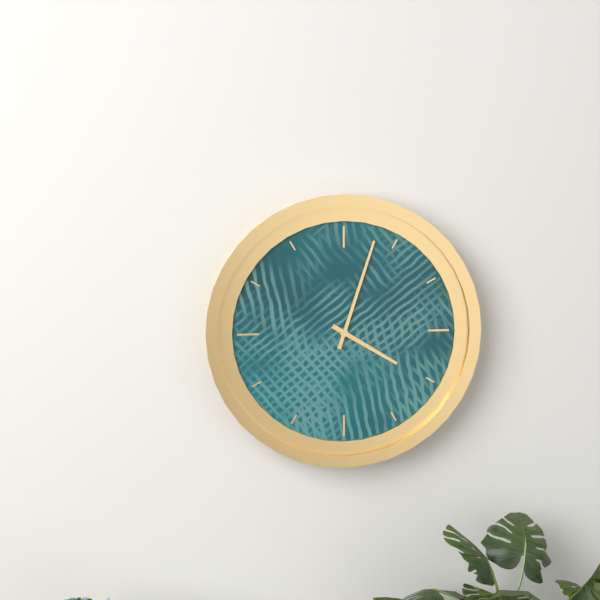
4:03
